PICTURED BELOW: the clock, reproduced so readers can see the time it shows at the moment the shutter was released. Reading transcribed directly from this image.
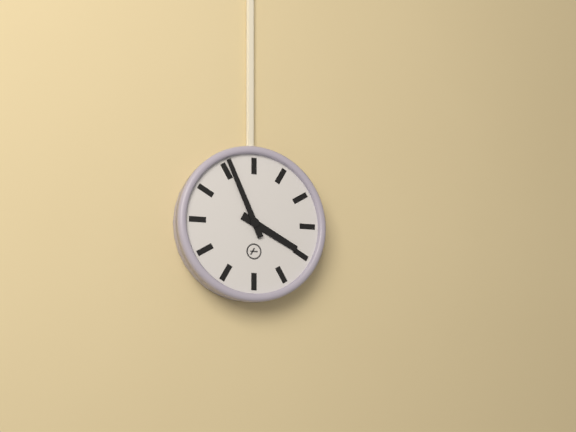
3:56
